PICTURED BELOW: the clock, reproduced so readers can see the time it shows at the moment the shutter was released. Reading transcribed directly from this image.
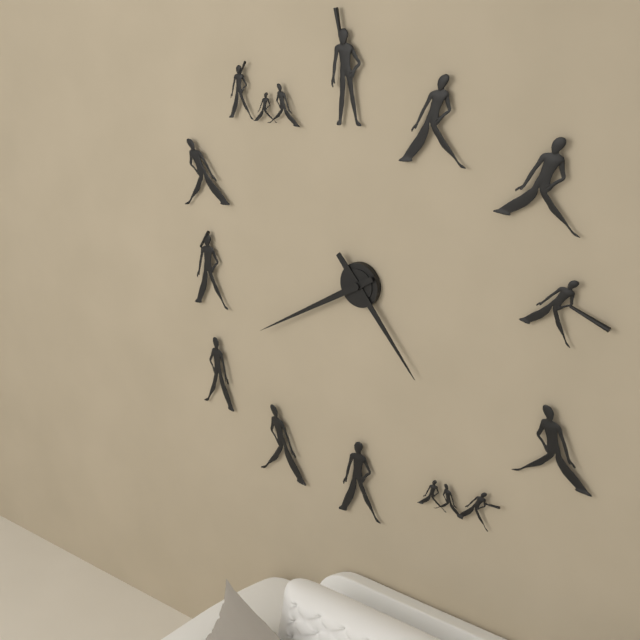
4:40
